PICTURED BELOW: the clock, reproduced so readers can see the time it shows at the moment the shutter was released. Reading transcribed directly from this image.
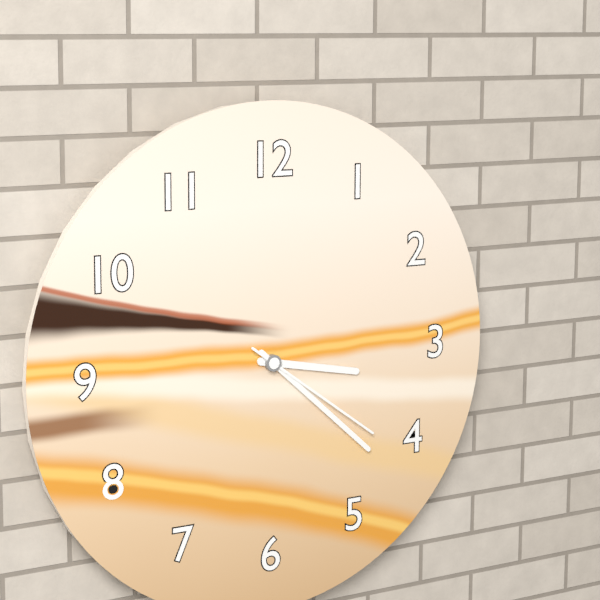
3:22:21
